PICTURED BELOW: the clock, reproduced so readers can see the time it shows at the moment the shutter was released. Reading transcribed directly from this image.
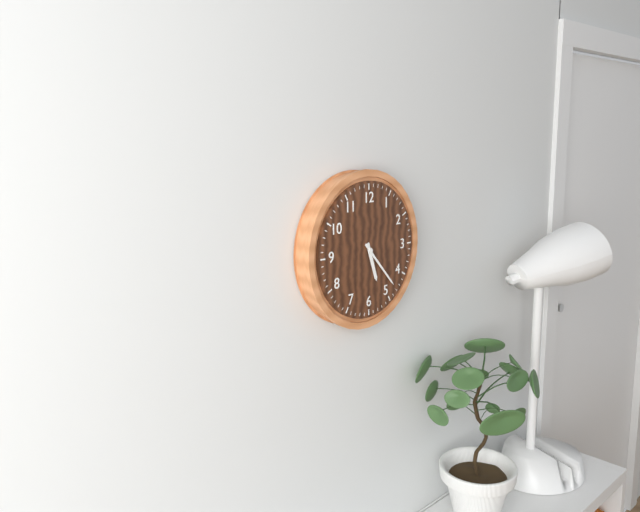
5:23
